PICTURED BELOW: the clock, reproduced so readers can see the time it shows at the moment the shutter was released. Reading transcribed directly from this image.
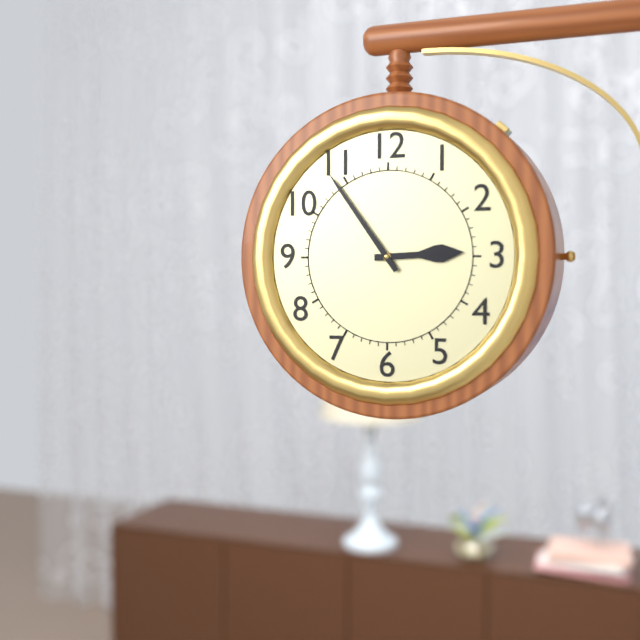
2:54
